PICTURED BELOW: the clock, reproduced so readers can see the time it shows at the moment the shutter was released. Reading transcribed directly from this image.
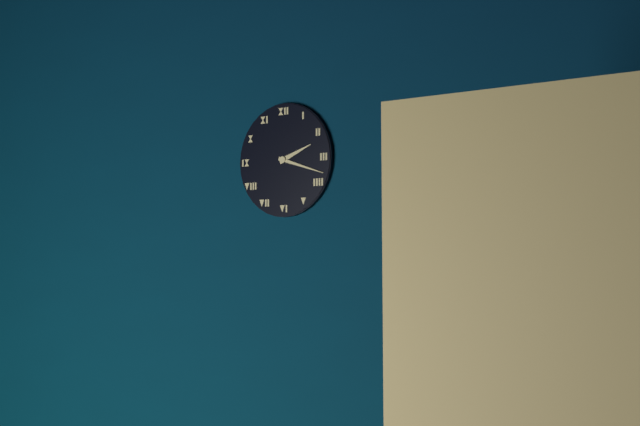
2:18
